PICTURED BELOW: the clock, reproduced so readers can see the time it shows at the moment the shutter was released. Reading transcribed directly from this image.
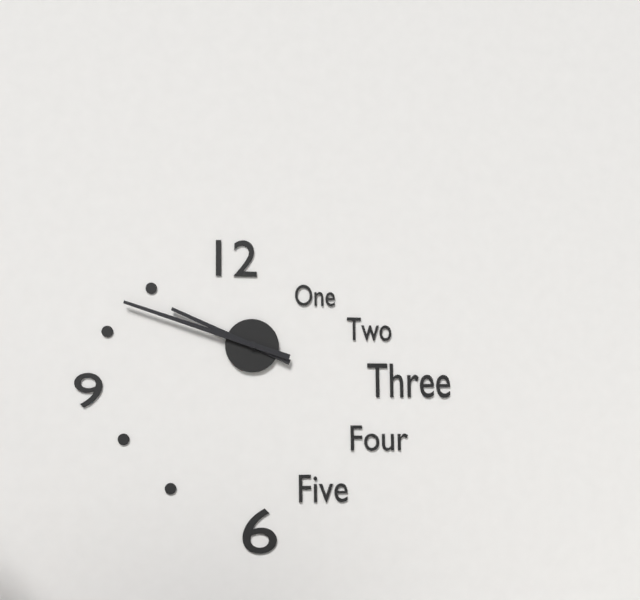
9:48
